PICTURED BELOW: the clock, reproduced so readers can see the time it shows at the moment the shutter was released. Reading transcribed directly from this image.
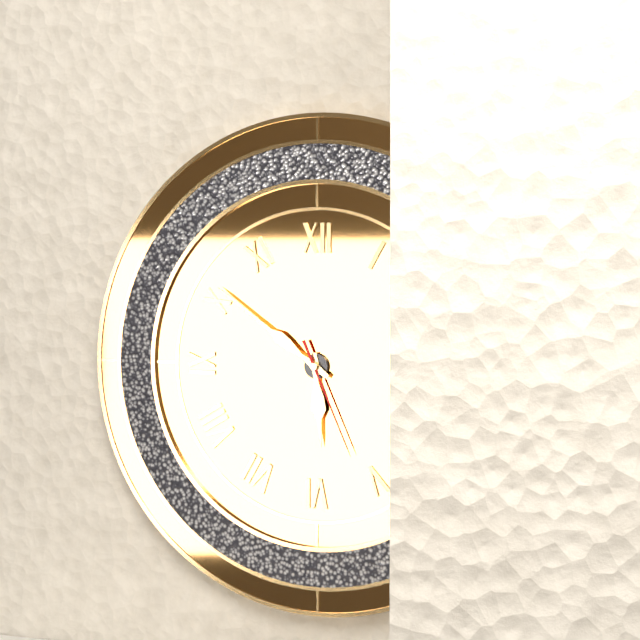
5:51:26
